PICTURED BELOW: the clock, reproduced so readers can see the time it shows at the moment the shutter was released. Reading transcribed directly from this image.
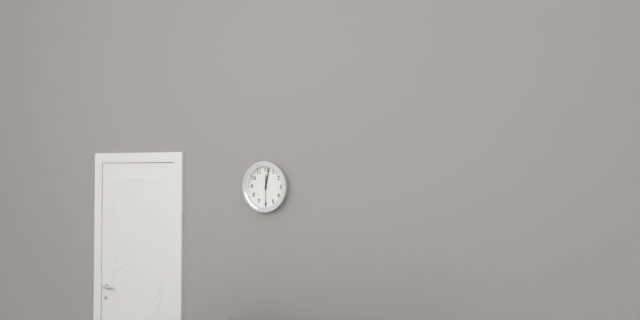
12:02
